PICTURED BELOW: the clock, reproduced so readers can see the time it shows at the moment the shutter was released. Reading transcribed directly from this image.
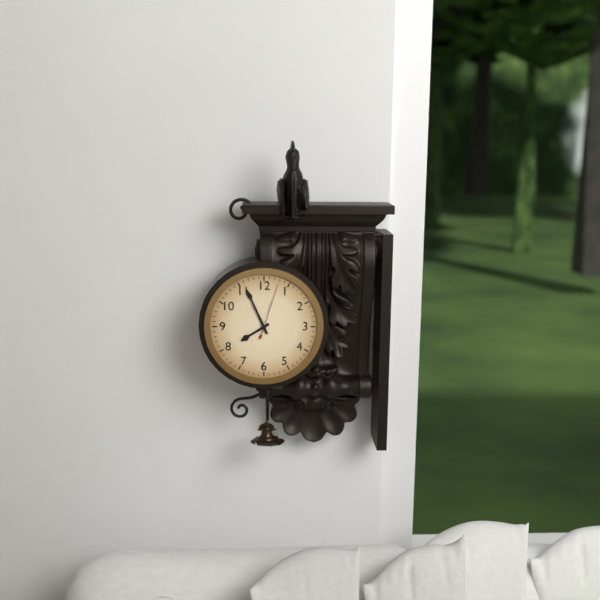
7:56:03
